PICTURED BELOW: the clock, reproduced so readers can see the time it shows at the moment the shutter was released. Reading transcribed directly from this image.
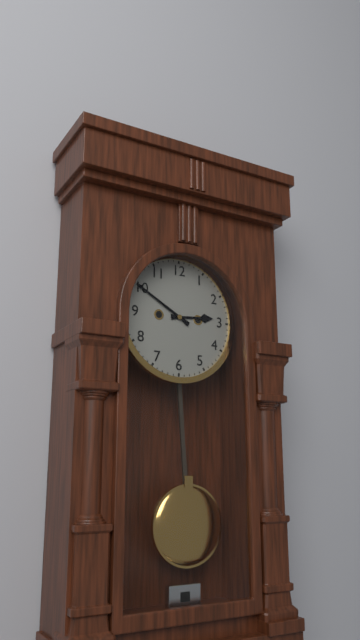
2:50
